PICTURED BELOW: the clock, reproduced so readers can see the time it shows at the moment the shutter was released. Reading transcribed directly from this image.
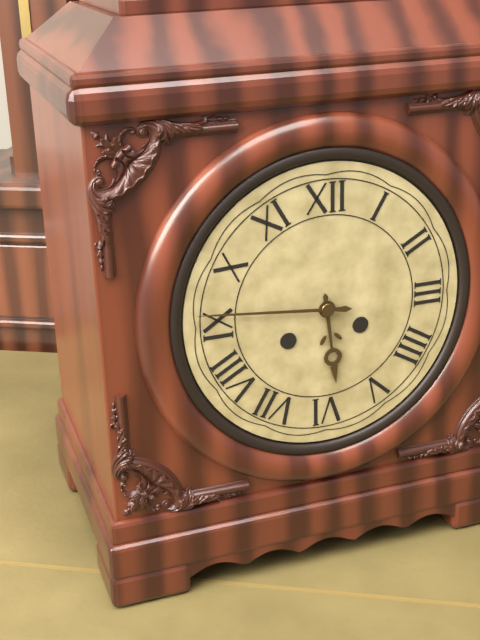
5:46
